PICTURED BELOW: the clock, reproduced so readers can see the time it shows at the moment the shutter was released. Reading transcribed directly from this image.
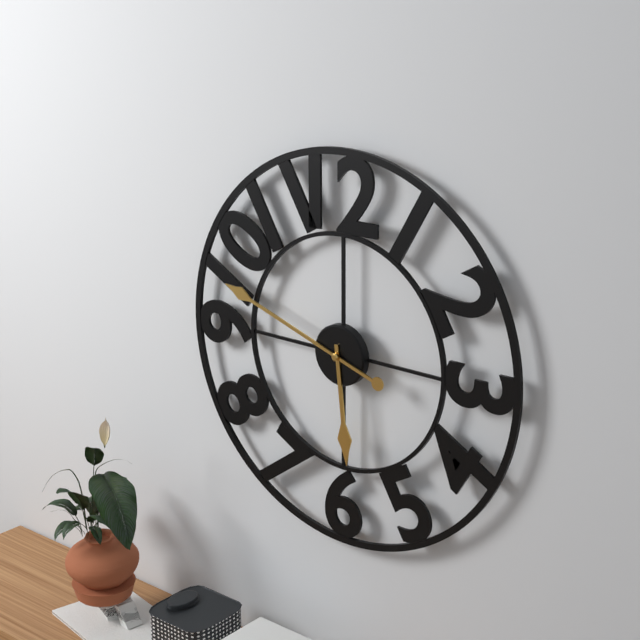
5:48
